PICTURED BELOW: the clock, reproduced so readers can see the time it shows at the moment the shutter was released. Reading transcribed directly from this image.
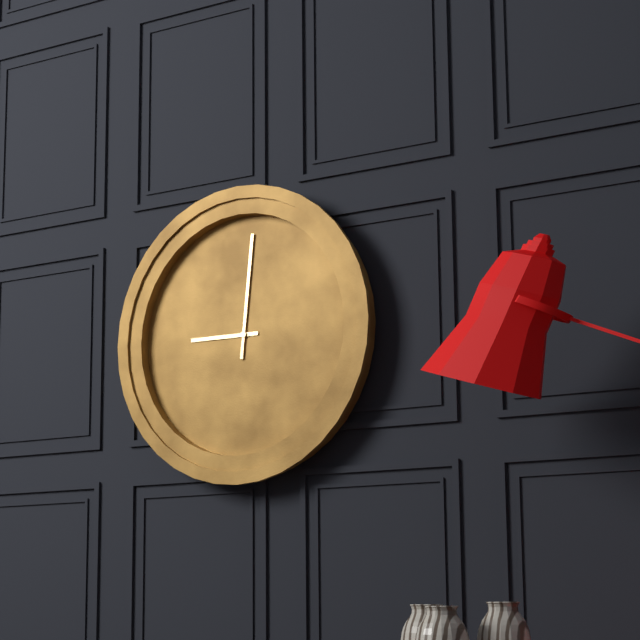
9:01
